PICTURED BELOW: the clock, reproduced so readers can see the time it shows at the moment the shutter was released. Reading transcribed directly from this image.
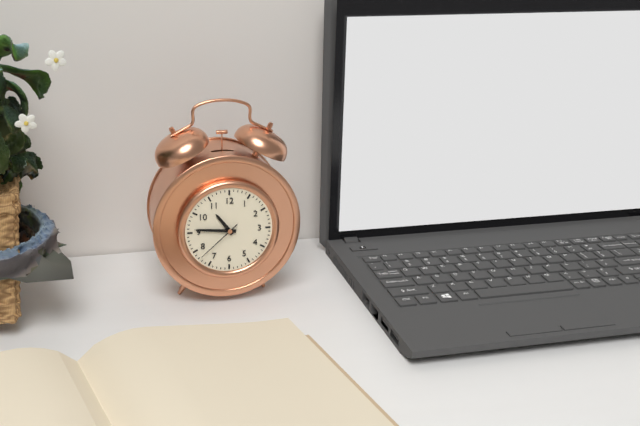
10:46
